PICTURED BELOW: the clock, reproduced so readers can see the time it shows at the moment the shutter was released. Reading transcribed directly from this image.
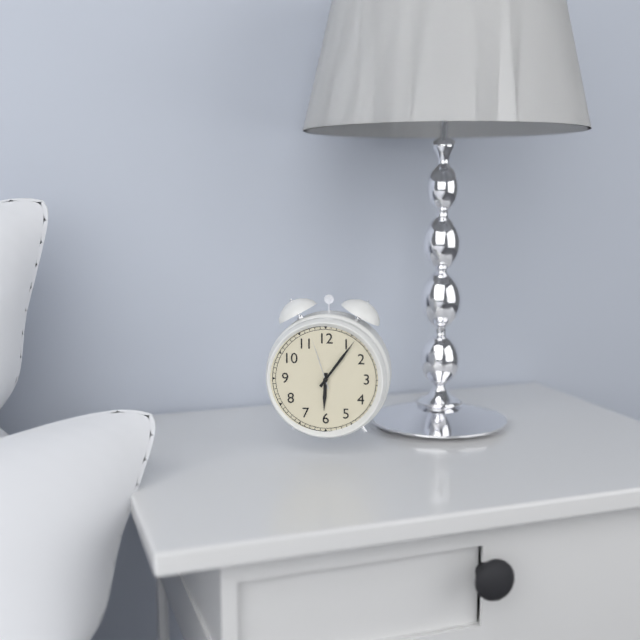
6:06:57
